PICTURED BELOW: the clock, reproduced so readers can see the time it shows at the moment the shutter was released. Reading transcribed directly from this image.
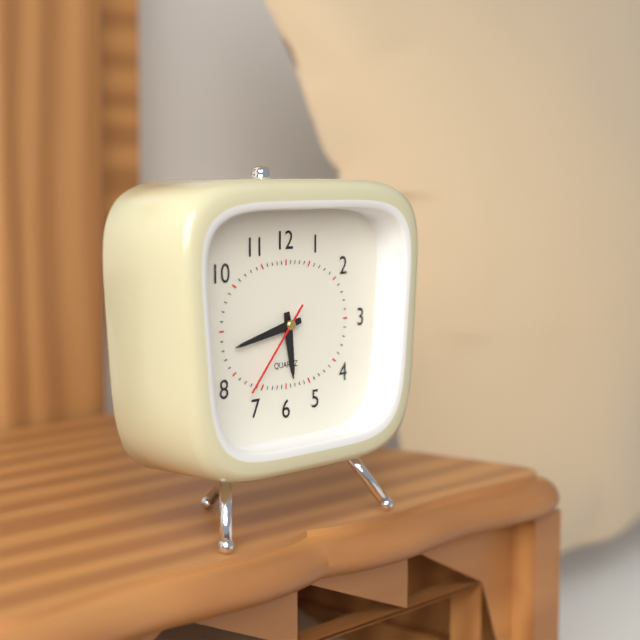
5:43:37
